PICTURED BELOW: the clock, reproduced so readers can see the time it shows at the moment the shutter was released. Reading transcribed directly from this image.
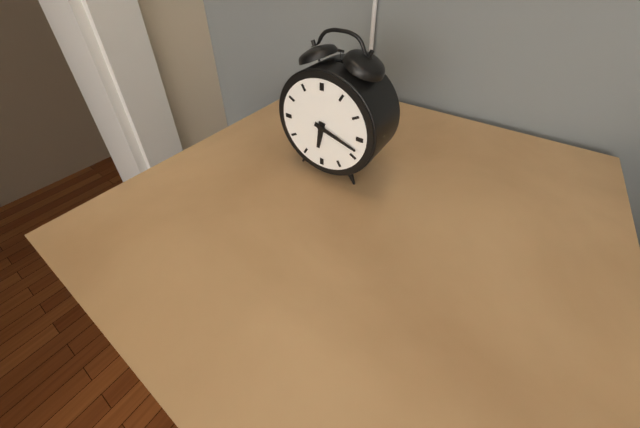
6:18
